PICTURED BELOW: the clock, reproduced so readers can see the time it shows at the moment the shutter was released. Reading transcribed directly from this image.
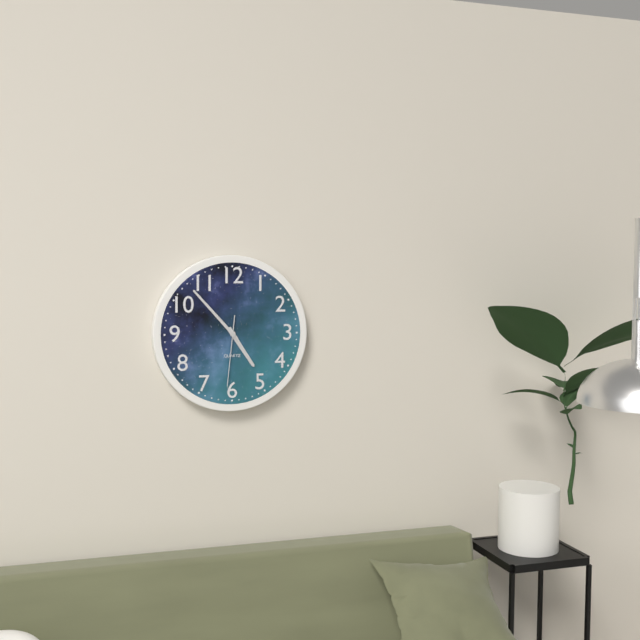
4:53:31
